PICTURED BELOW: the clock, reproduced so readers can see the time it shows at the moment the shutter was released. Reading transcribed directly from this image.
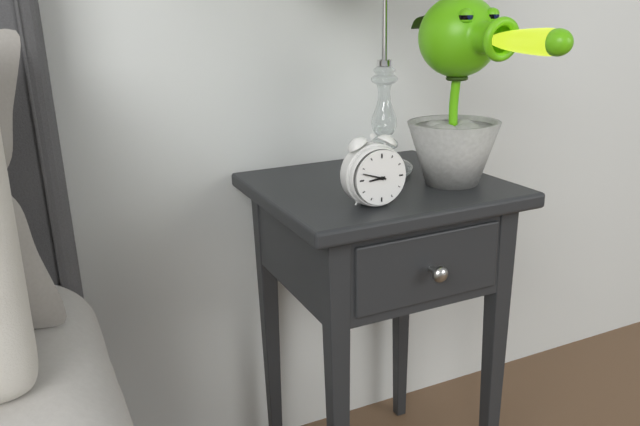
8:48
